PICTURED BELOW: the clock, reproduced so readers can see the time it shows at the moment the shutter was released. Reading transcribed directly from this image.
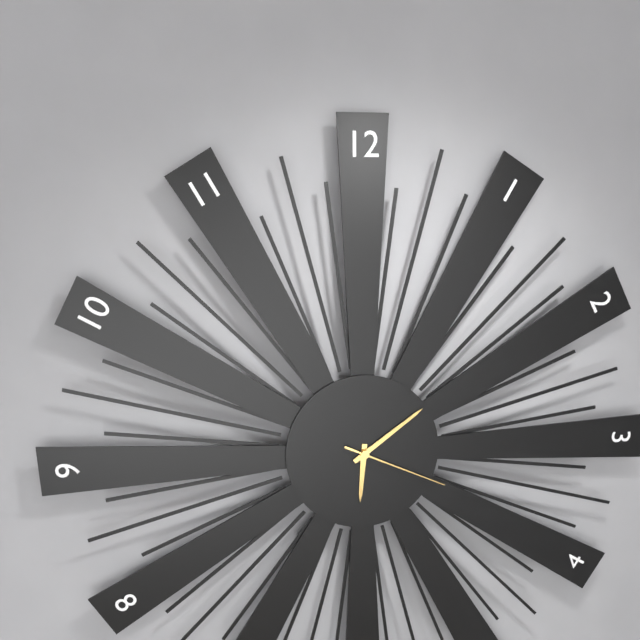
6:09:19
